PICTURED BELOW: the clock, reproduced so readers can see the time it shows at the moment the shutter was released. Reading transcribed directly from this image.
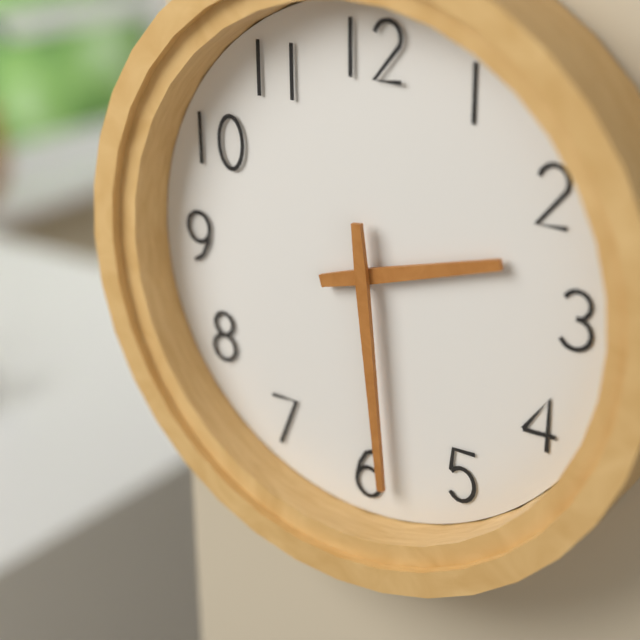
2:29
